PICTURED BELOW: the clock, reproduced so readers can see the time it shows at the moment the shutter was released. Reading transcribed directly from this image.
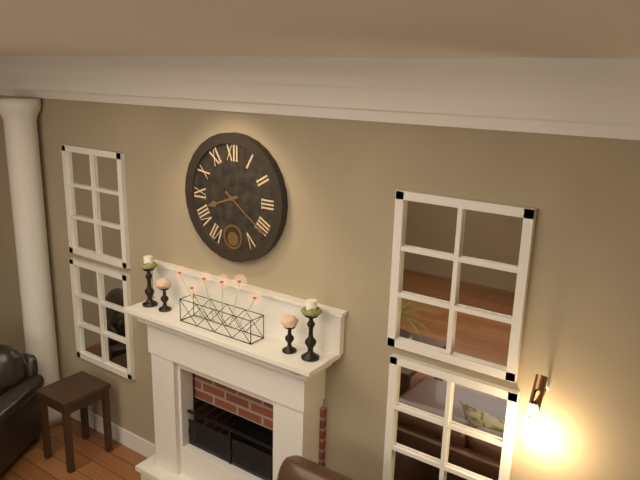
8:21
